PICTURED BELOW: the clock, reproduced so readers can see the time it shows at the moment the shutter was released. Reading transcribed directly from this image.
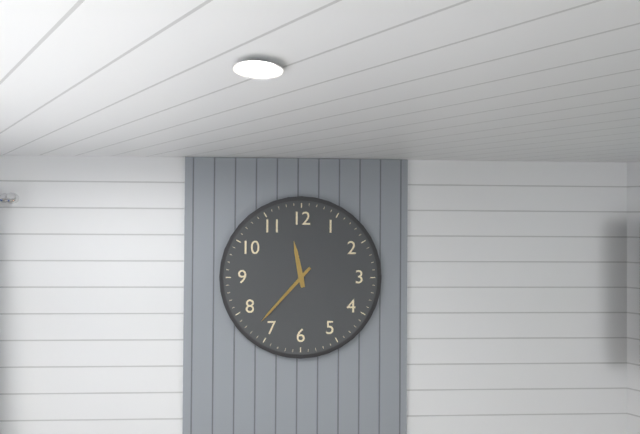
11:37
